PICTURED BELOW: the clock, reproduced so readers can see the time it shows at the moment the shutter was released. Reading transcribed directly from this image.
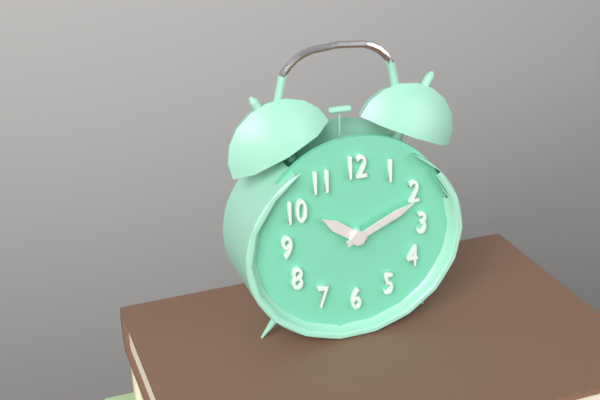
10:11
